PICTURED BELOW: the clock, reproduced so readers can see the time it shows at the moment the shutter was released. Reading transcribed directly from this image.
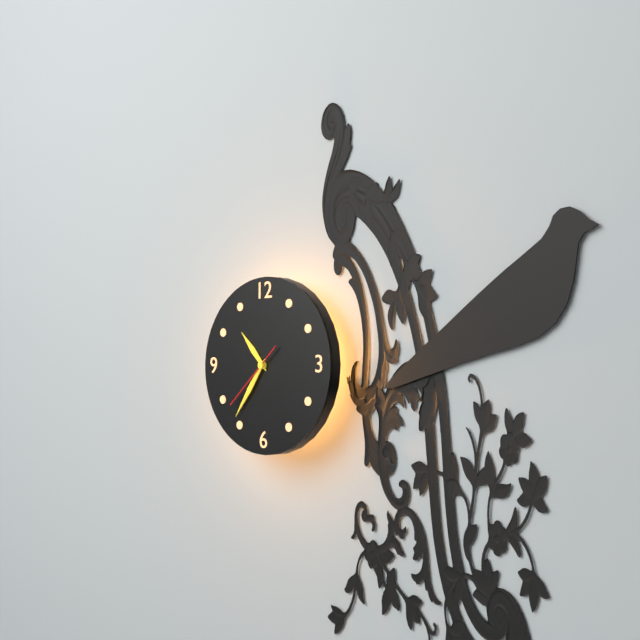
10:36:38
